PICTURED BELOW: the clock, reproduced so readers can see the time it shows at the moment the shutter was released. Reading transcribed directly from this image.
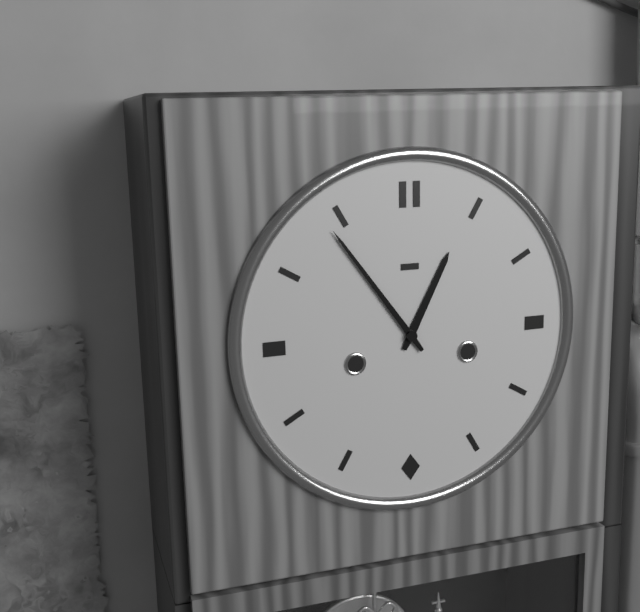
12:54
